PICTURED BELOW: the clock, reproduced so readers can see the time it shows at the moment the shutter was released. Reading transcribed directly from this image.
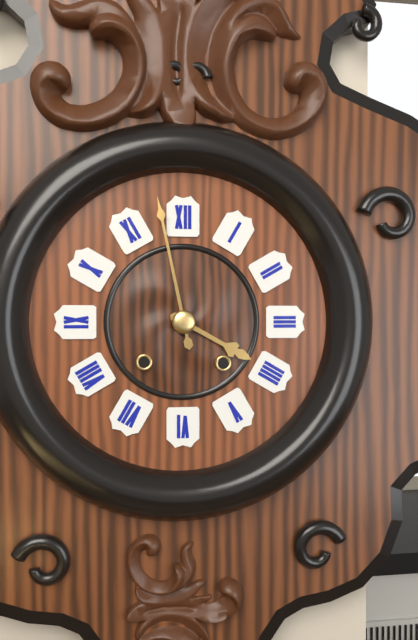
3:58
